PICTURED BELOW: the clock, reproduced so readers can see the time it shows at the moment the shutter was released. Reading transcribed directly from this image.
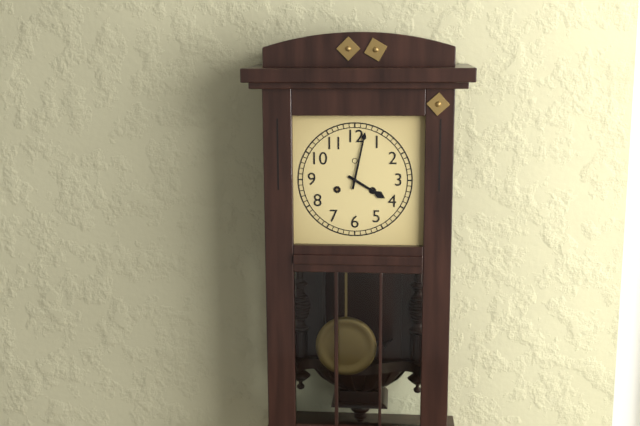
4:02
